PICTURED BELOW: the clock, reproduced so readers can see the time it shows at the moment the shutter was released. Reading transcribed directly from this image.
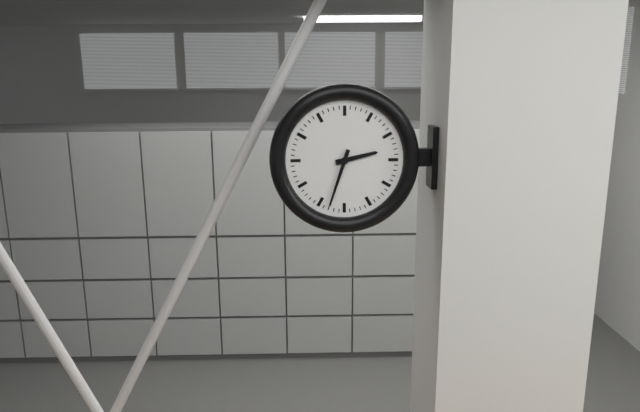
2:33
